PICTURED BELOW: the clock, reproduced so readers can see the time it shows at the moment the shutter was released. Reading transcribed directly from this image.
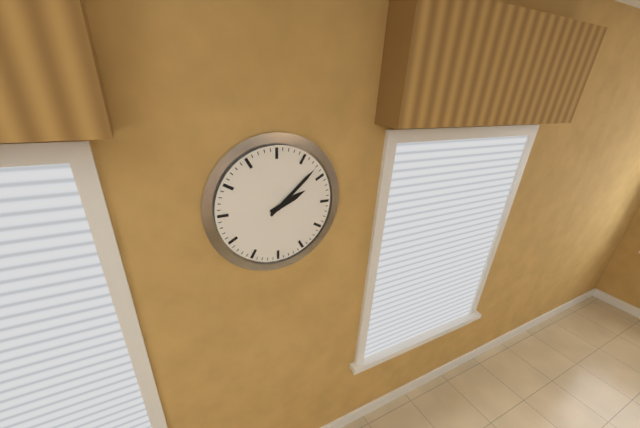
2:08
